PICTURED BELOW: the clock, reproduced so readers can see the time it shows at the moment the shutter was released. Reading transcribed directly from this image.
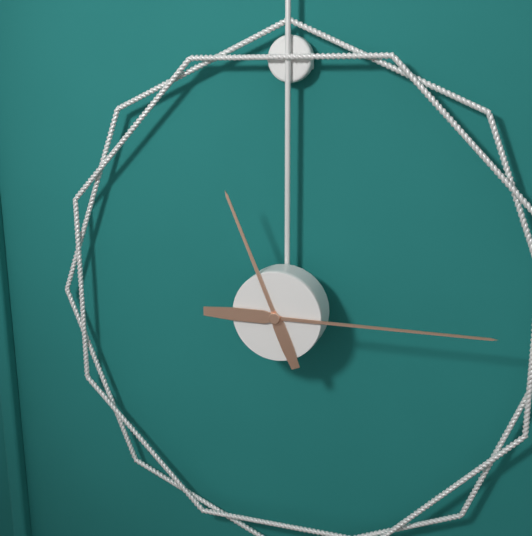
11:15
